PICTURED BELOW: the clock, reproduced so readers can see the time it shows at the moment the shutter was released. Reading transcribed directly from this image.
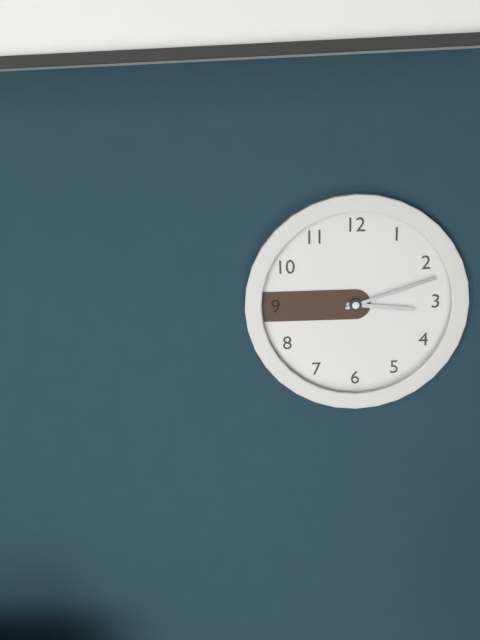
3:12
